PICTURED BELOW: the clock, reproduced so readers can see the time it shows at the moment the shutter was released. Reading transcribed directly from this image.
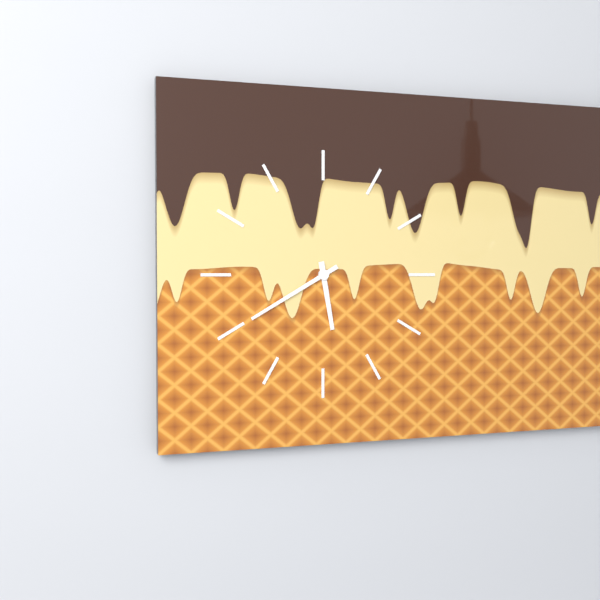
5:40
